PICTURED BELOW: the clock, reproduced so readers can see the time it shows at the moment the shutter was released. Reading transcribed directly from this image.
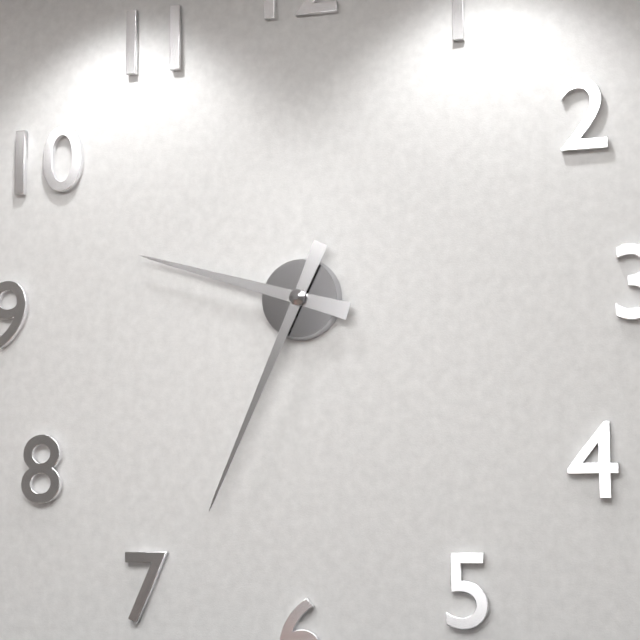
9:34
